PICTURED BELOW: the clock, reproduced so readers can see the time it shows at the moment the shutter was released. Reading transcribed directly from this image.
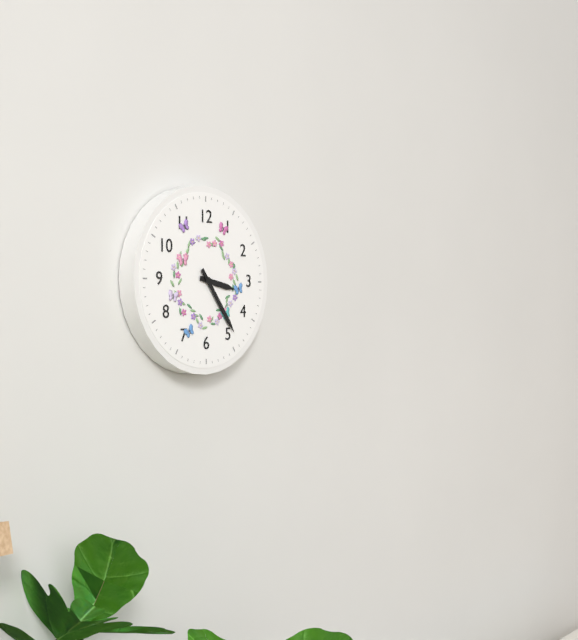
3:24
